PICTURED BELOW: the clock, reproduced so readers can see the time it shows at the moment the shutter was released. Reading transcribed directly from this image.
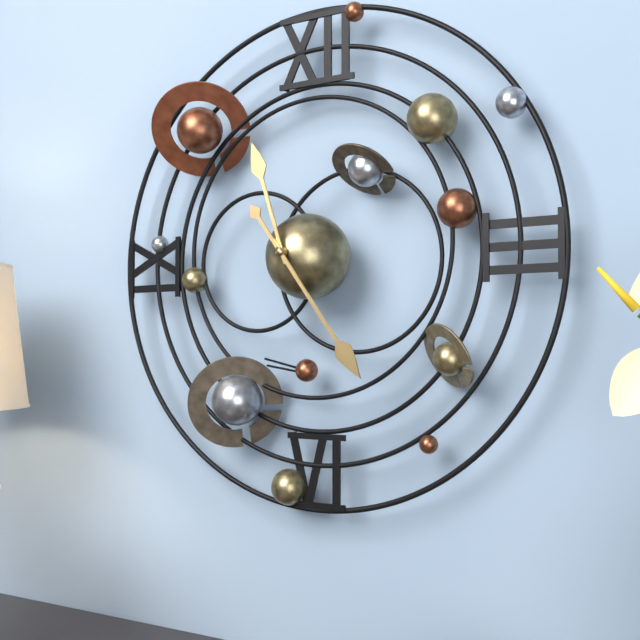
11:24
